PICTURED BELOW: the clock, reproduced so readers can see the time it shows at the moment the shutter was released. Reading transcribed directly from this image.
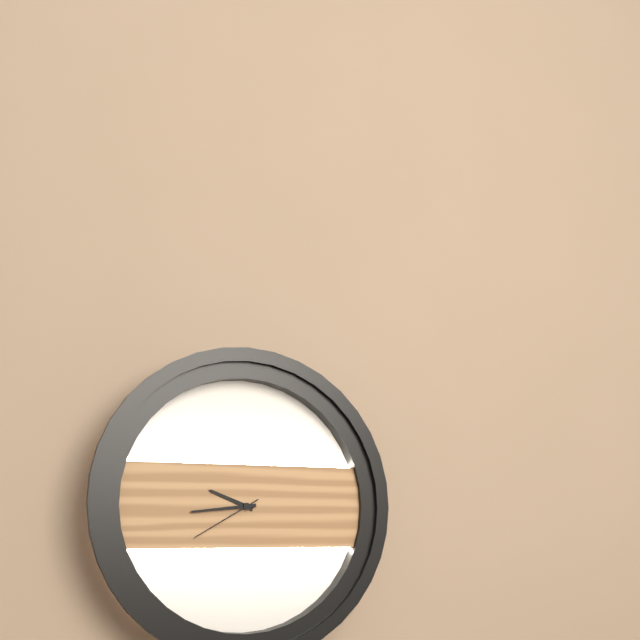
9:44:40
